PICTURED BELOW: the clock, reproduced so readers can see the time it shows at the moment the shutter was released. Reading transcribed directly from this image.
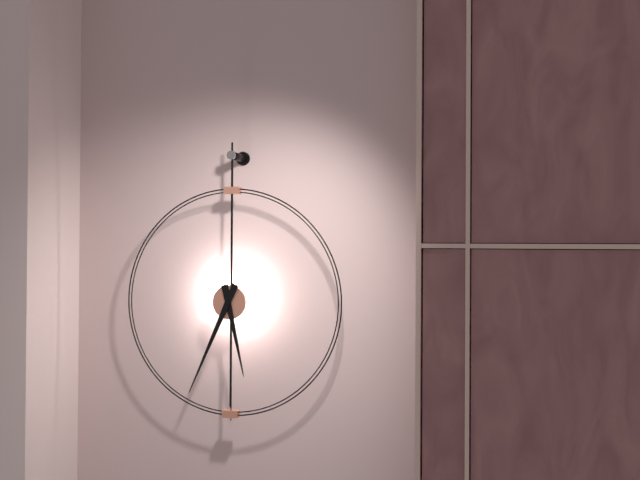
5:34
